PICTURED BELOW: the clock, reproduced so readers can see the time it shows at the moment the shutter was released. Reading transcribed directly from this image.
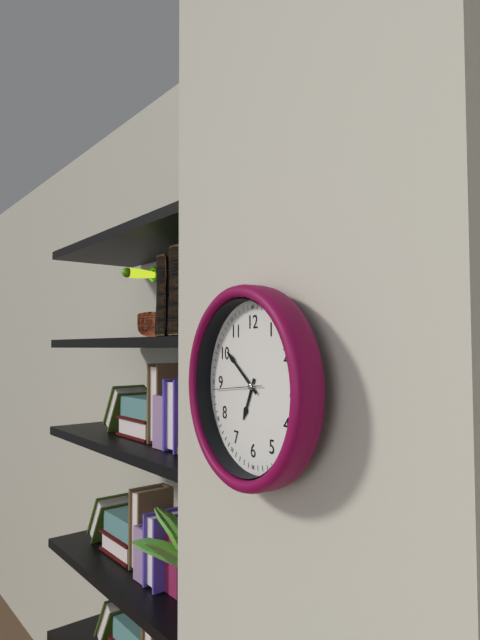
6:51:44
